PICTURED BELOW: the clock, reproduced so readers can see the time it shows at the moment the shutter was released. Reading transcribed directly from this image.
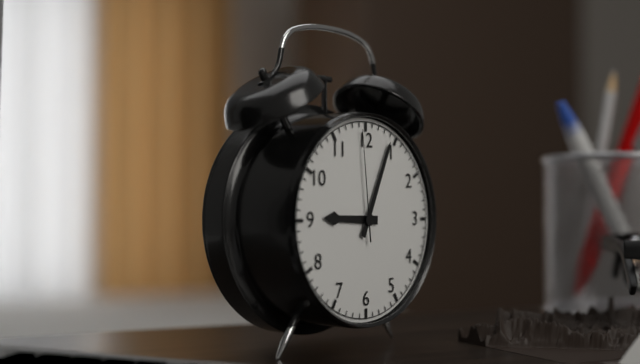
9:04:59
